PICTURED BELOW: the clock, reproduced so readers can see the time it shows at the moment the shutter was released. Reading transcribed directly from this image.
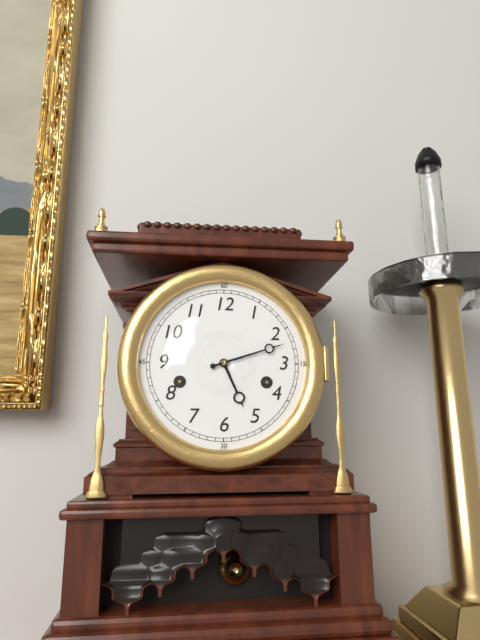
5:12
